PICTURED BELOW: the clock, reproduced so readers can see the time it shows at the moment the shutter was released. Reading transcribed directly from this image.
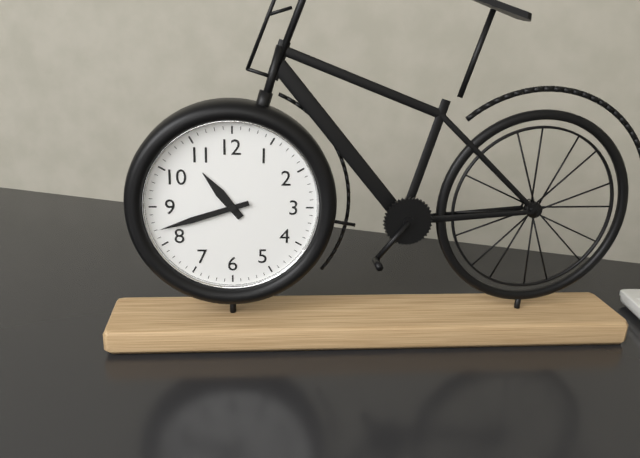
10:42
